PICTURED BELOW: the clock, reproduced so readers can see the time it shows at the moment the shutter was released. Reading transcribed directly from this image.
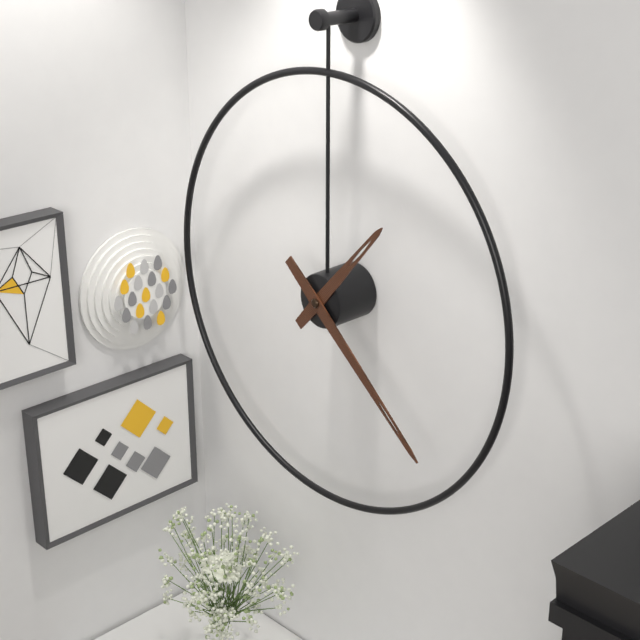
1:22
